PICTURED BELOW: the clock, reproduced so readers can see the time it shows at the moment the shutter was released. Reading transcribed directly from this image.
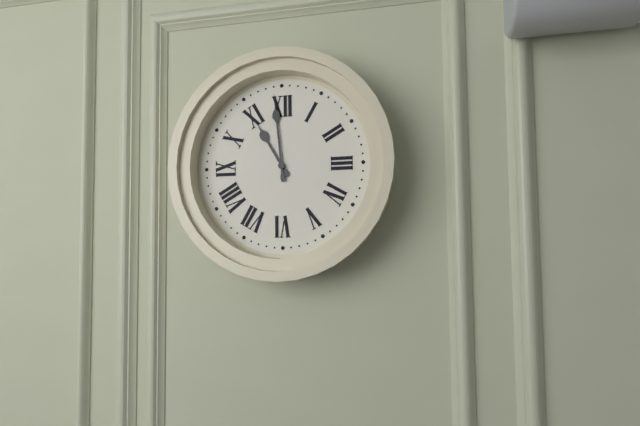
10:59
